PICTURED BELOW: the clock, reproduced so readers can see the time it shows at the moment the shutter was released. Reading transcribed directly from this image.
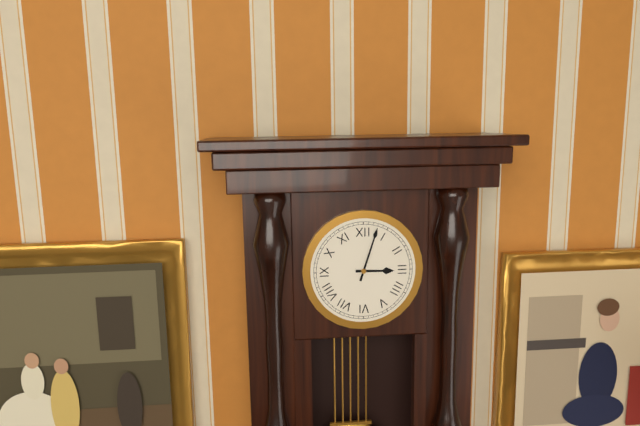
3:03
